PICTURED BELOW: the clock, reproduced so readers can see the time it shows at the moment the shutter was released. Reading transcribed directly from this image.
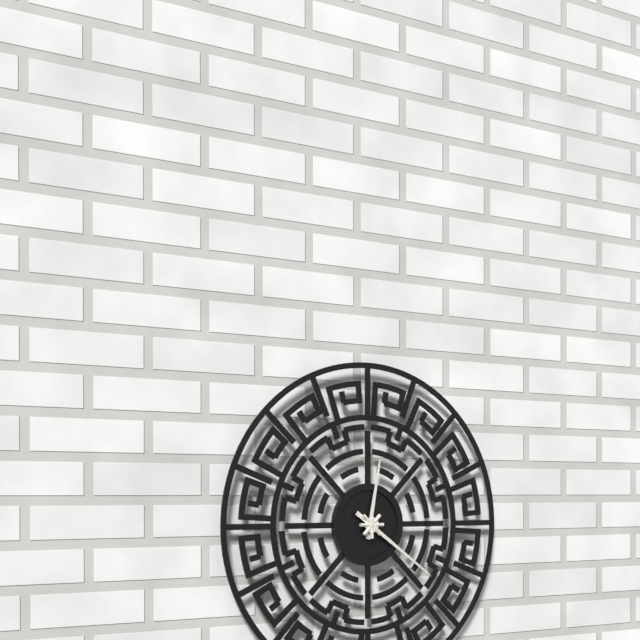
12:21
